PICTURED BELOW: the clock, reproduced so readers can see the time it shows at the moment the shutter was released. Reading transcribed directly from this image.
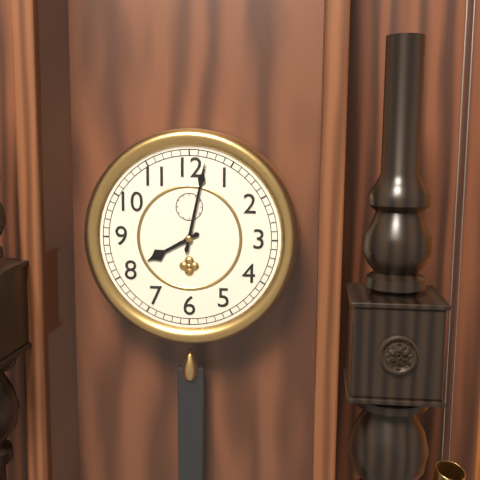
8:02
